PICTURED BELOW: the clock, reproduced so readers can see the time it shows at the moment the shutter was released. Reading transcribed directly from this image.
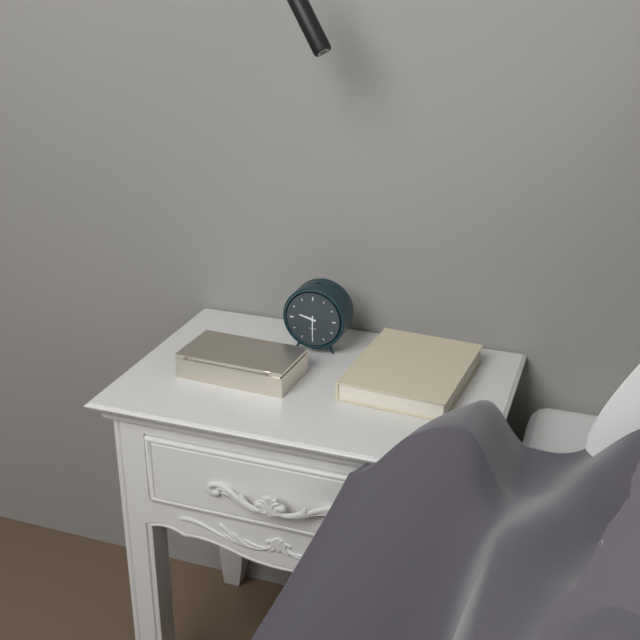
9:30
